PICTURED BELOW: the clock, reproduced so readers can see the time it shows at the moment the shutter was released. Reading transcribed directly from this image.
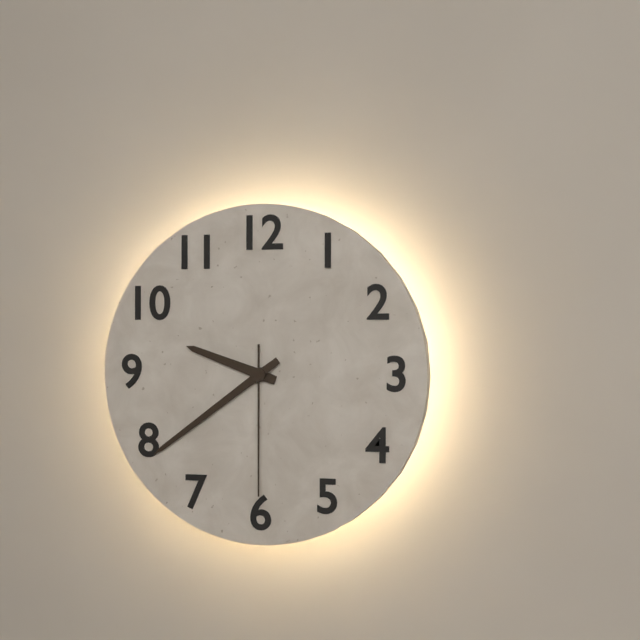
9:39:30
